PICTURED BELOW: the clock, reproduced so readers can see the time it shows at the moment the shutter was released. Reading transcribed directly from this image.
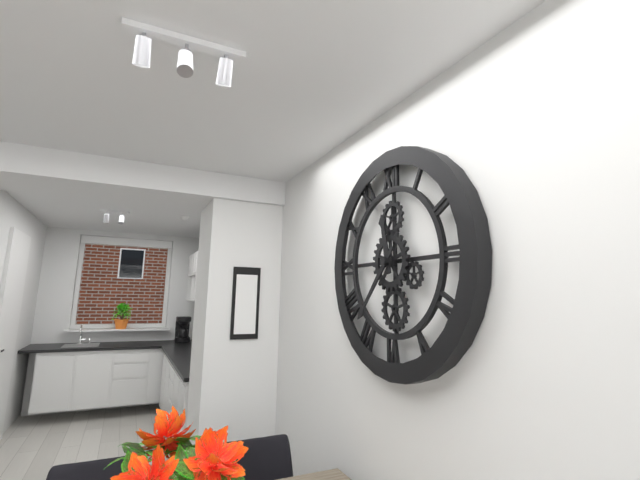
11:37
